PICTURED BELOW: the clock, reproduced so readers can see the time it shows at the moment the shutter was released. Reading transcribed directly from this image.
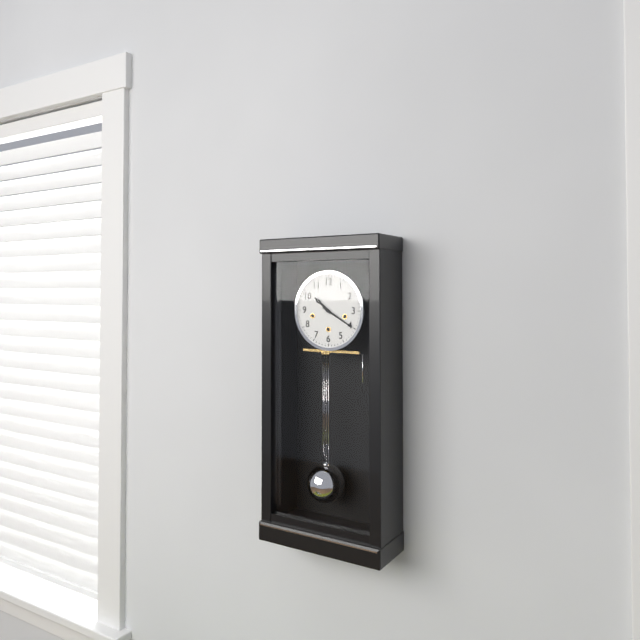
10:20
